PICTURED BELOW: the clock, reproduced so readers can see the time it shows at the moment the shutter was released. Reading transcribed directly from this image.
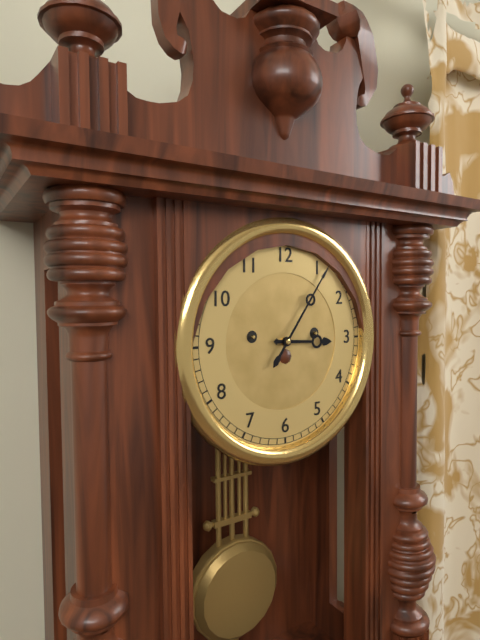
3:06
